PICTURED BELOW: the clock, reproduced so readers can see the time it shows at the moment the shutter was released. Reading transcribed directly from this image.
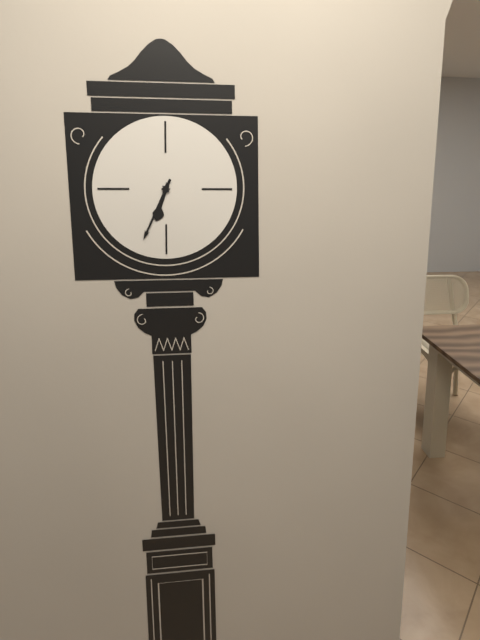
6:34
